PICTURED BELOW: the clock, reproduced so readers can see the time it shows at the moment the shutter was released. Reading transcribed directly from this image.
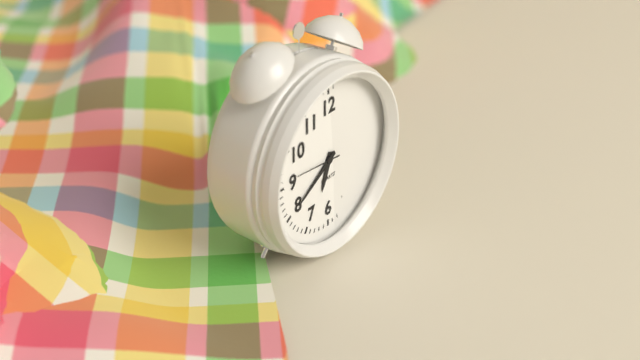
6:40
